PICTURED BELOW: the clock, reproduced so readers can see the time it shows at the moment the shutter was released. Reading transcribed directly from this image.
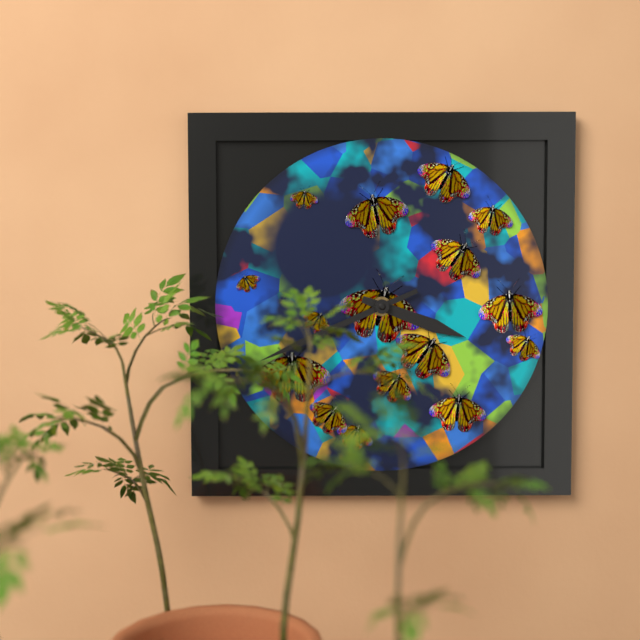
3:41
